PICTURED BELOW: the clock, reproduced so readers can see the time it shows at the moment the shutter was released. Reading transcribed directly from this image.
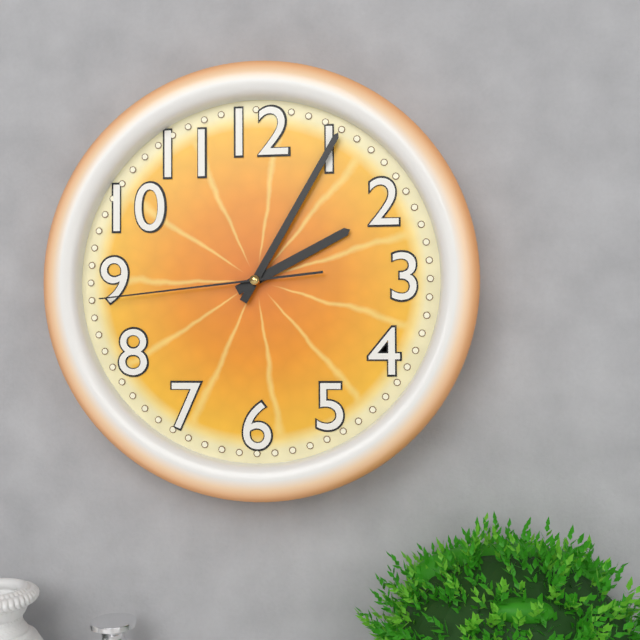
2:05:44
